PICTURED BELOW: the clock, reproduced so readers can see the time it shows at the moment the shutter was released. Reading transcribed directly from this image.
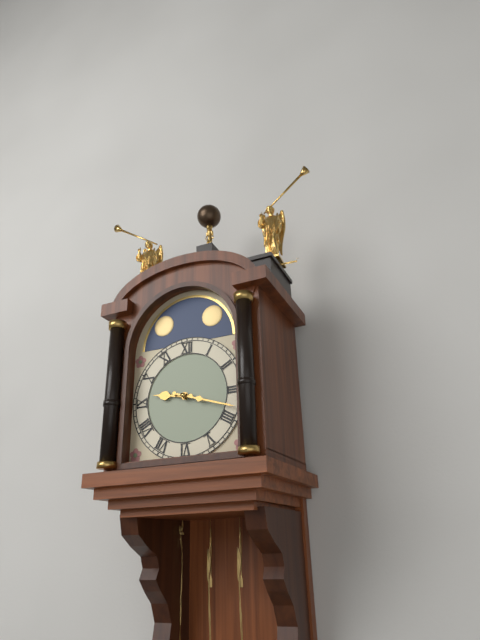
9:18
